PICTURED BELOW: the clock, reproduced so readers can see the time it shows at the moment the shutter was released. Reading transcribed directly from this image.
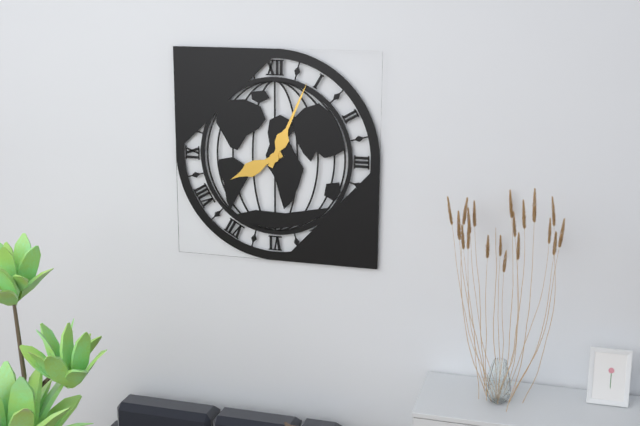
8:04
